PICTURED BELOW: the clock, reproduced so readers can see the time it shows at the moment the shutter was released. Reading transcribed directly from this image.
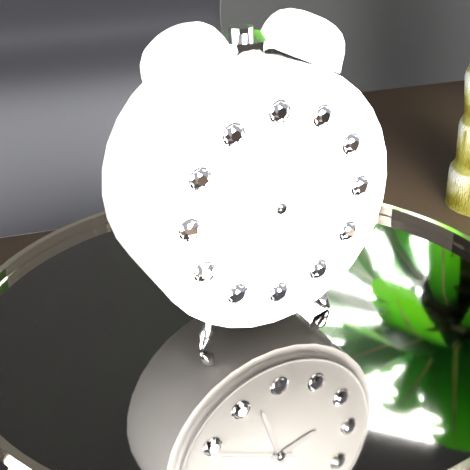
3:33:41
